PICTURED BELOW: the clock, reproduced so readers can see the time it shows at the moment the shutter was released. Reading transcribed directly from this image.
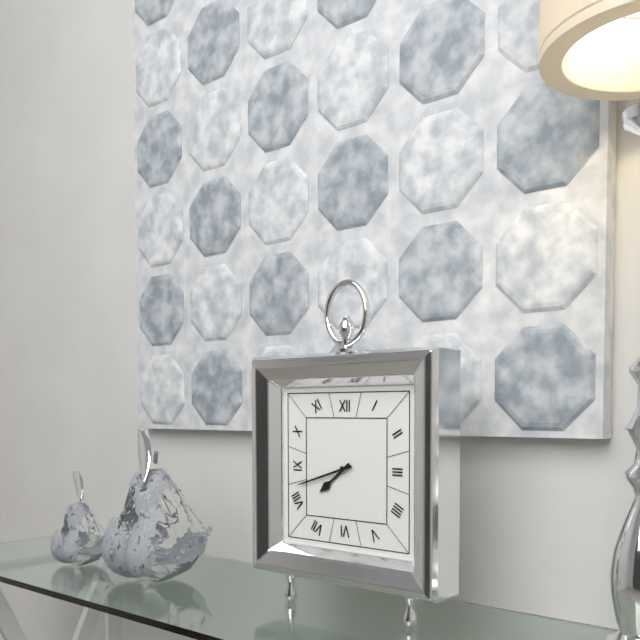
7:42
